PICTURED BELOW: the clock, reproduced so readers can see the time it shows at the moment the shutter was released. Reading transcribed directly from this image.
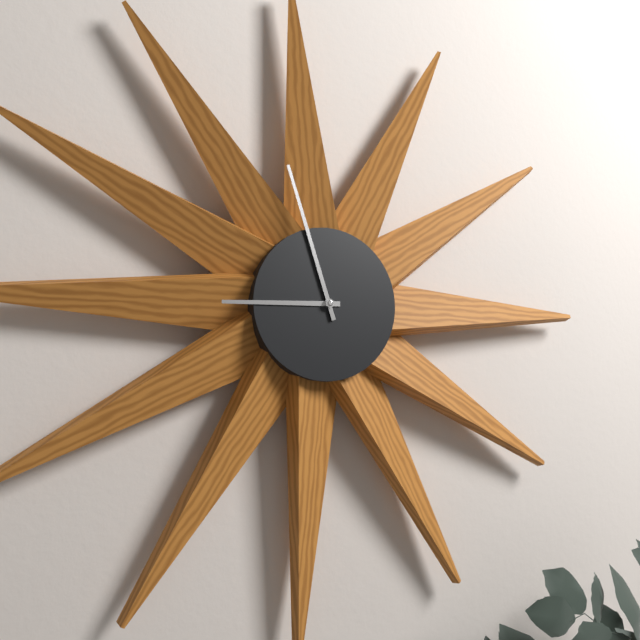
8:57
